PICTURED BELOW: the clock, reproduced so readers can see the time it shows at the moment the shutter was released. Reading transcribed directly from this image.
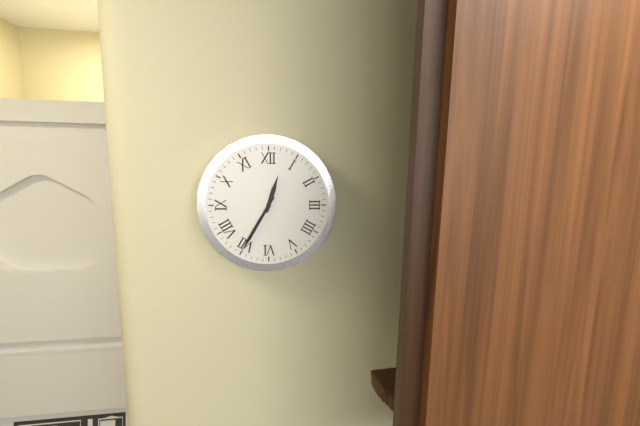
12:35
